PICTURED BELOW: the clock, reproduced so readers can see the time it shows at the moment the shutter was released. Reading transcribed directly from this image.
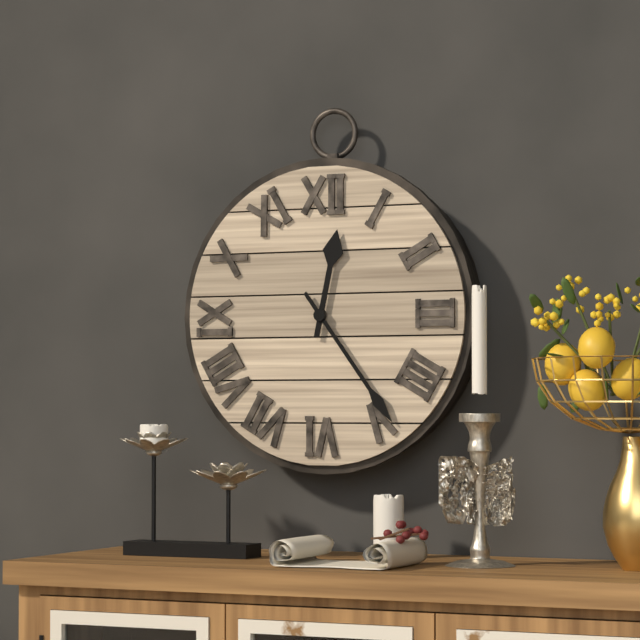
12:24
